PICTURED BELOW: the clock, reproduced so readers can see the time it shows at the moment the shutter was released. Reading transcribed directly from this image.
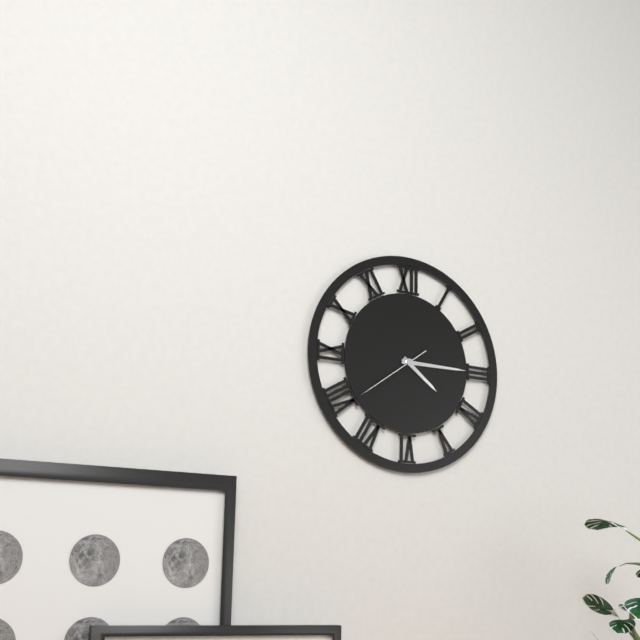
4:15:39
